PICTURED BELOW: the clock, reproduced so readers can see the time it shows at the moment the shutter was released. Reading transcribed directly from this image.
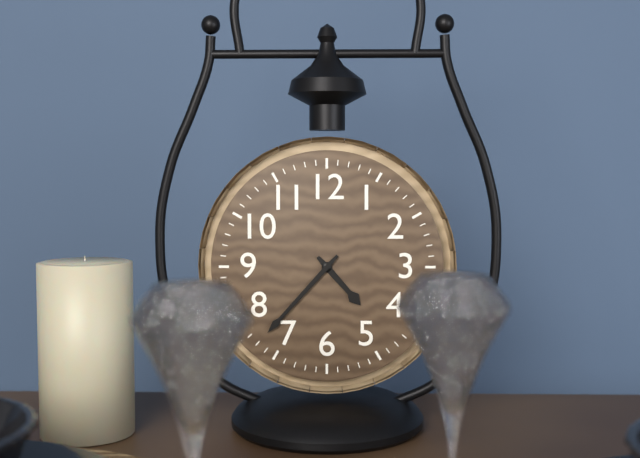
4:37
